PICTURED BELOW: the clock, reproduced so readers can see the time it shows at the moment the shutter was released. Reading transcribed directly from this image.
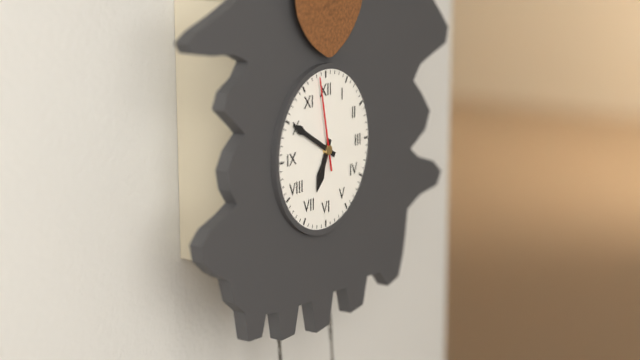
6:50:58
